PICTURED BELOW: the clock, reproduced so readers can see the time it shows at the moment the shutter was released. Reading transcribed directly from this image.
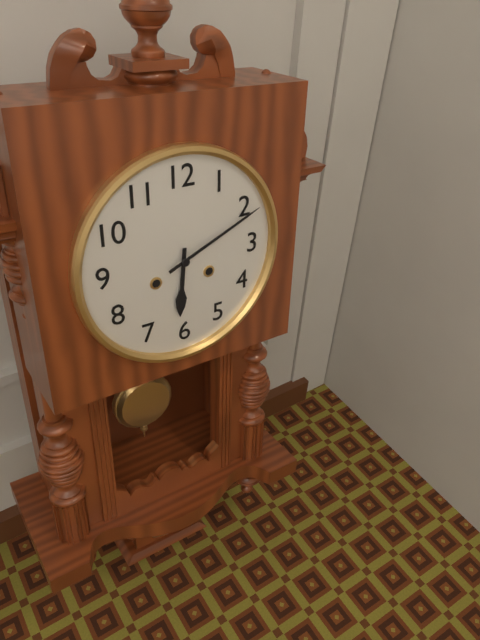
6:11
